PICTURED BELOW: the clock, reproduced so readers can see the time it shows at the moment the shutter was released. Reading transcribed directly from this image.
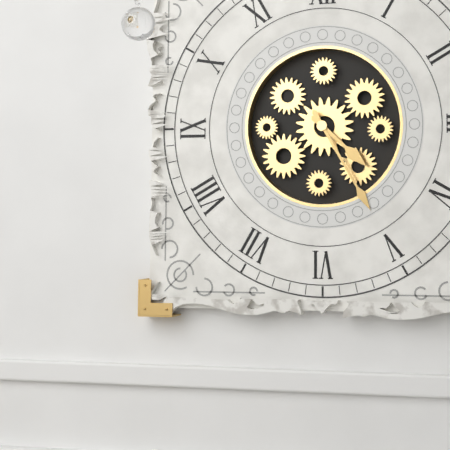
4:25
